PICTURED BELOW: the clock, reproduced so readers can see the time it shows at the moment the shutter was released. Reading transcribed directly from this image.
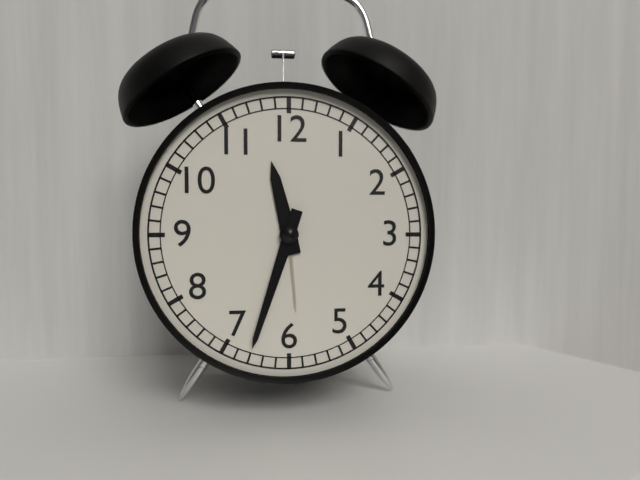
11:33
